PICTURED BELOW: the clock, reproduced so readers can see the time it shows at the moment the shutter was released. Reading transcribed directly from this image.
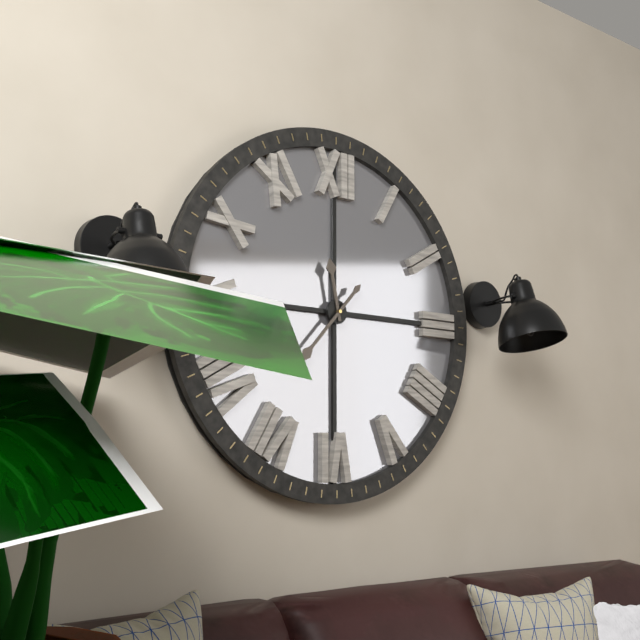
11:37
